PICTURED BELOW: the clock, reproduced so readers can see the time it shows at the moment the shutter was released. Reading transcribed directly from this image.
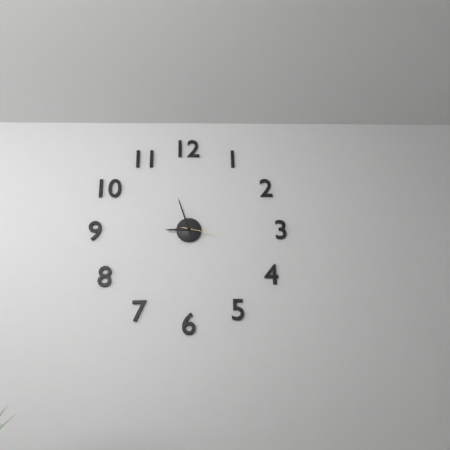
8:57
